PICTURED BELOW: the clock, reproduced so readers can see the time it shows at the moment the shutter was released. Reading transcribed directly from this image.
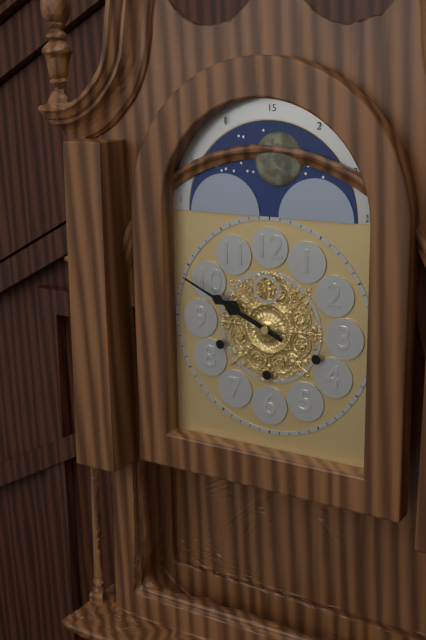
9:49
